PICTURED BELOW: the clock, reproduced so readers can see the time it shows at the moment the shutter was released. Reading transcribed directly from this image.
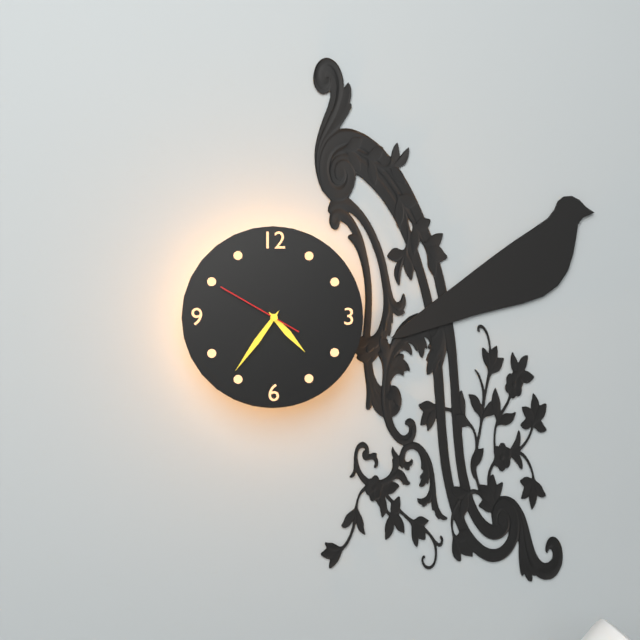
4:36:50
